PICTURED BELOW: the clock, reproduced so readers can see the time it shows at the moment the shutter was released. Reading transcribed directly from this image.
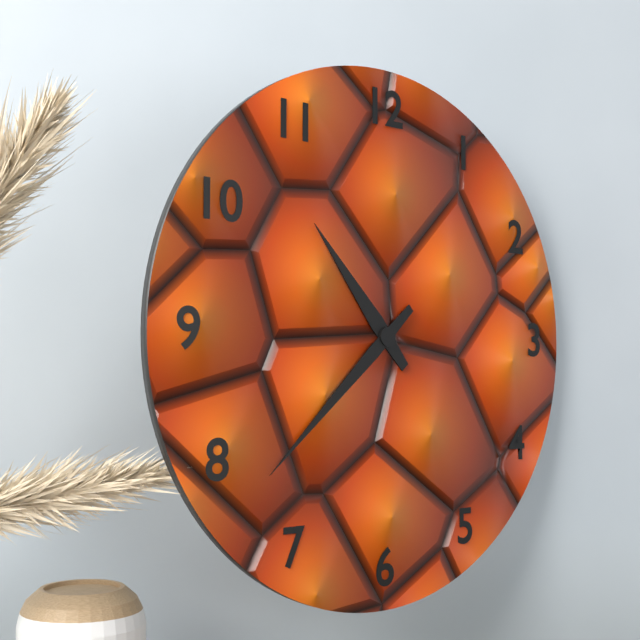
10:38
